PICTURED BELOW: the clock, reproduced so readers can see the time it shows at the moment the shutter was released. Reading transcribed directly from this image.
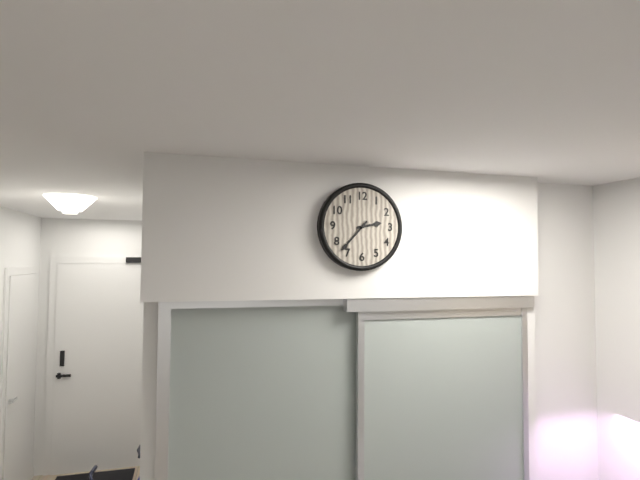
2:37
